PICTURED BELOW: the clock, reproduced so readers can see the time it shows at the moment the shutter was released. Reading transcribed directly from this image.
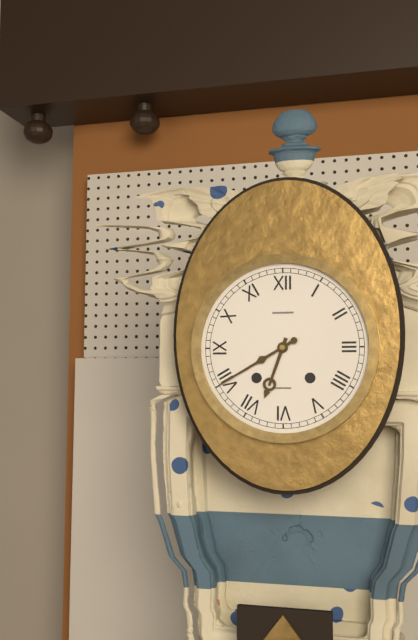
6:40
